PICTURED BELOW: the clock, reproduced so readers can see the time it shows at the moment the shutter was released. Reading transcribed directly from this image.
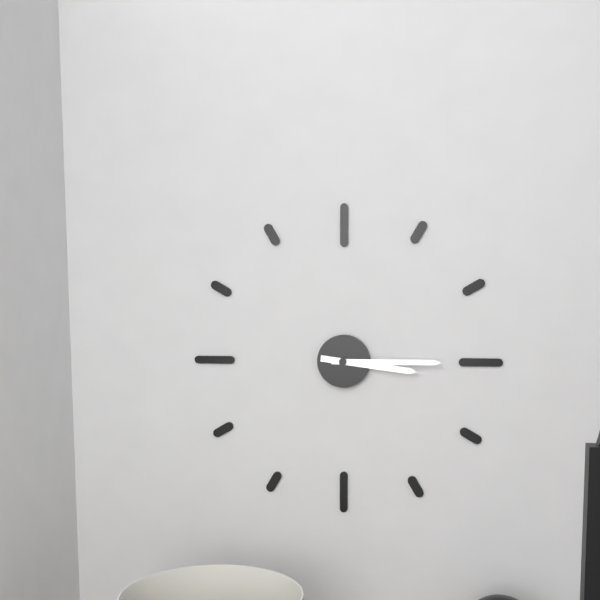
3:15
